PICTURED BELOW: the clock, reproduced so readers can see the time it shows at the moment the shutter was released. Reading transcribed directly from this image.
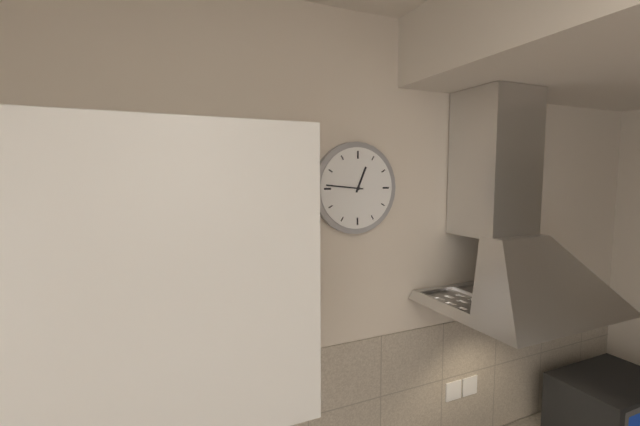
12:46
